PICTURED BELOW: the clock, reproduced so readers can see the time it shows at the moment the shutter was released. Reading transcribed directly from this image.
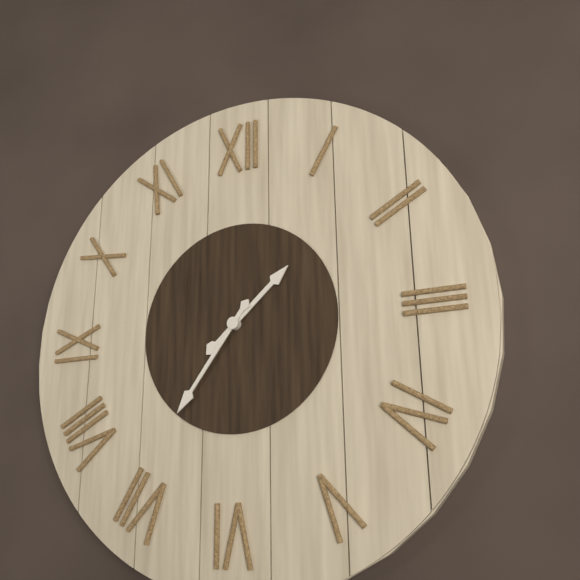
1:36
